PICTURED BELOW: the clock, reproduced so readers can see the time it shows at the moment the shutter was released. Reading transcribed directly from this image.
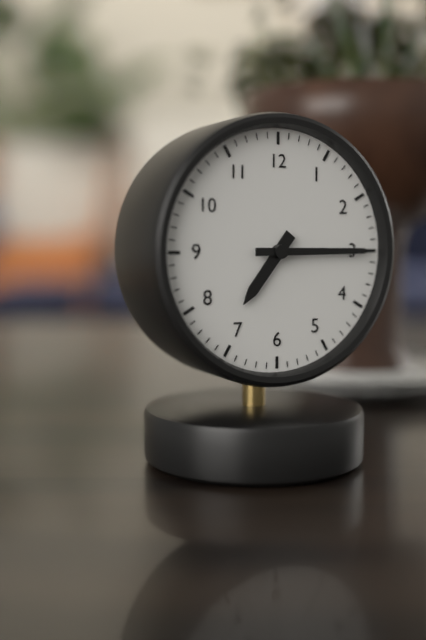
7:15
